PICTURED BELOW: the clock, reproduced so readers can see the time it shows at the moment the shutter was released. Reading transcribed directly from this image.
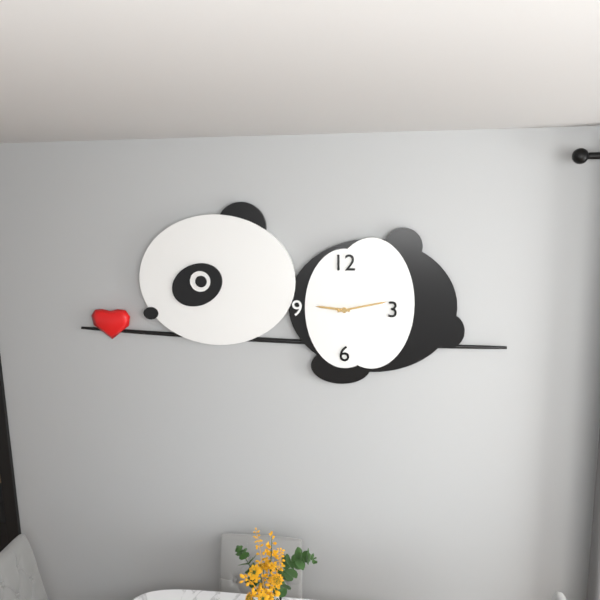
9:13
